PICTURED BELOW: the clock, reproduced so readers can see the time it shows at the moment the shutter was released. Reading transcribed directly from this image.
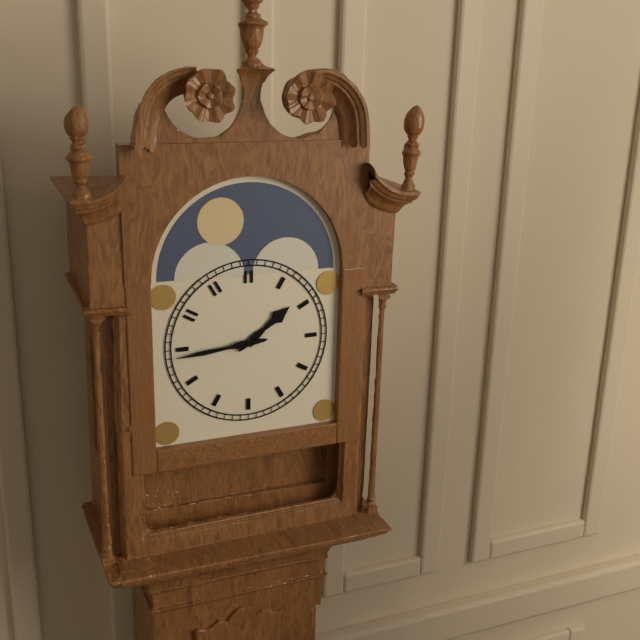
1:44
